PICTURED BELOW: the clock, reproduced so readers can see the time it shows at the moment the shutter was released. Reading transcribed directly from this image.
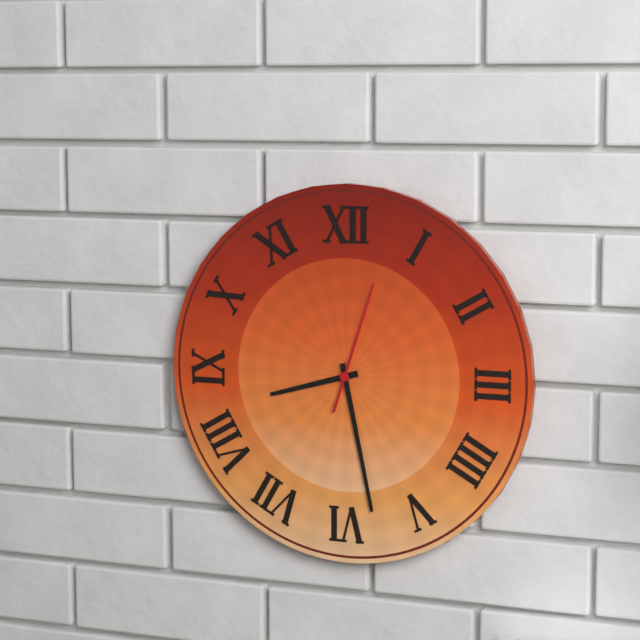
8:28:03
